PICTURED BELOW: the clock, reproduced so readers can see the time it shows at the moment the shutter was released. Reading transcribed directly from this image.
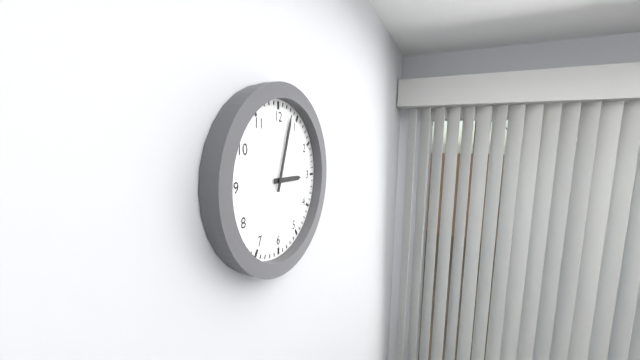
3:03
